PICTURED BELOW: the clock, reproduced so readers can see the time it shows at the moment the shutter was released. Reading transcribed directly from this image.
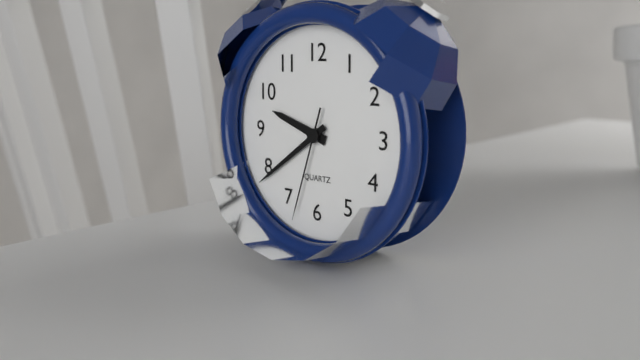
9:39:33
